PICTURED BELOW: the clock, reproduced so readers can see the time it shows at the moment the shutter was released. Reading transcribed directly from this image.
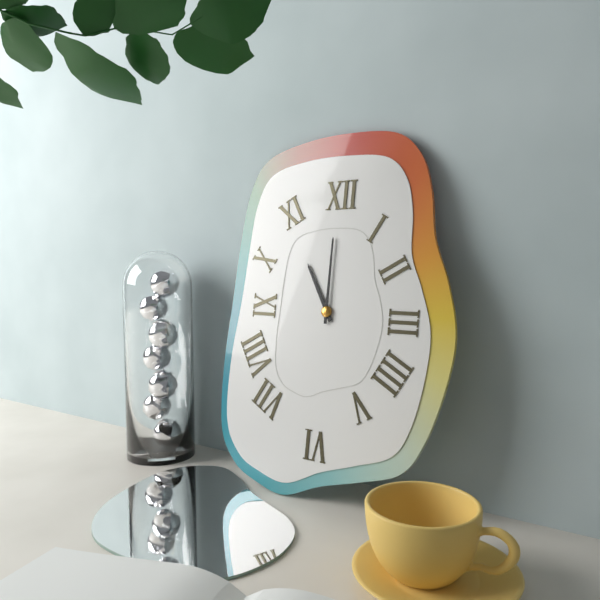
11:00
